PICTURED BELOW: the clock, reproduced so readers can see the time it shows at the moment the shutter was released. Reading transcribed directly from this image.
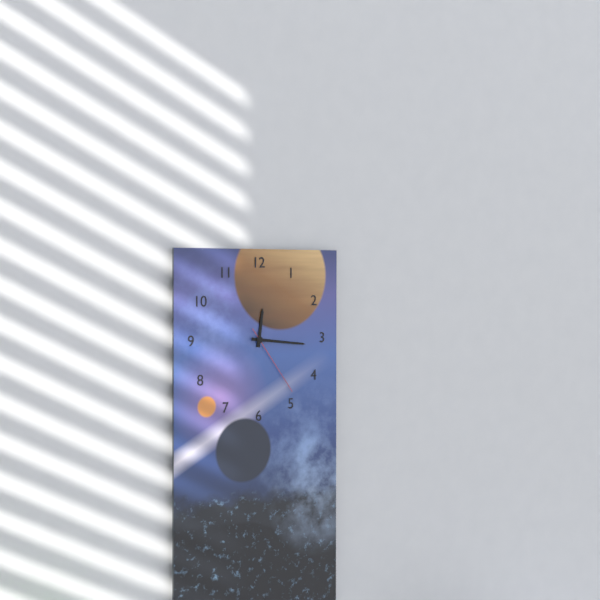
12:16:24
